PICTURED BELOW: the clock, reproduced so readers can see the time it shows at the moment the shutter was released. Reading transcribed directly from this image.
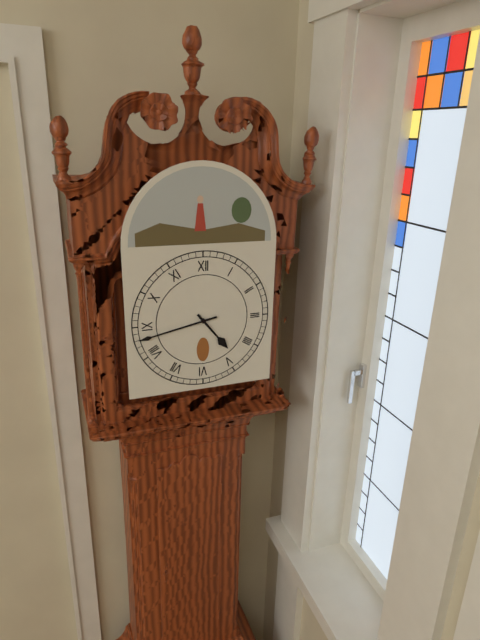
4:43
